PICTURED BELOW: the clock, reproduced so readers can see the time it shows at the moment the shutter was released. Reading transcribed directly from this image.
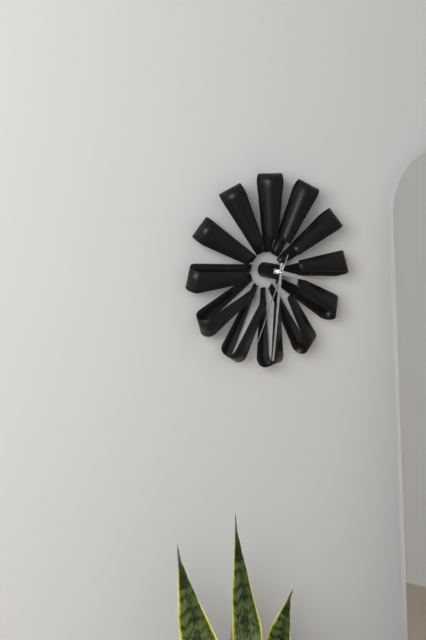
3:31:34
